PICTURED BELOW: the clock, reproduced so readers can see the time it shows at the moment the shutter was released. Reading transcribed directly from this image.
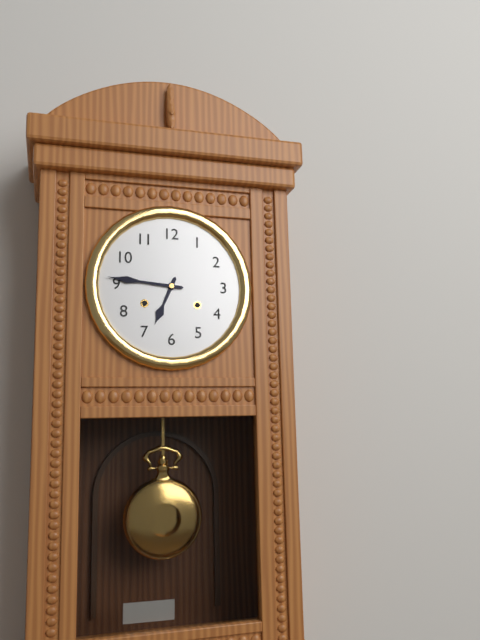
6:46
